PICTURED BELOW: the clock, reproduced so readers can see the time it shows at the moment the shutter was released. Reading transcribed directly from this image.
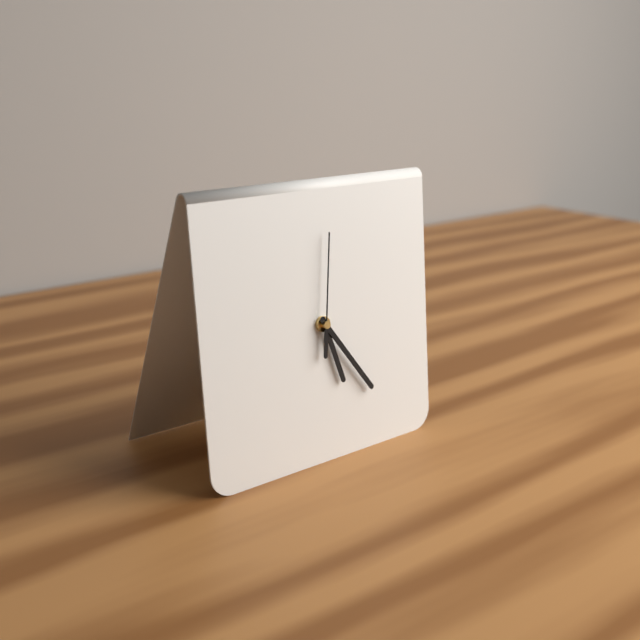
5:24:01
